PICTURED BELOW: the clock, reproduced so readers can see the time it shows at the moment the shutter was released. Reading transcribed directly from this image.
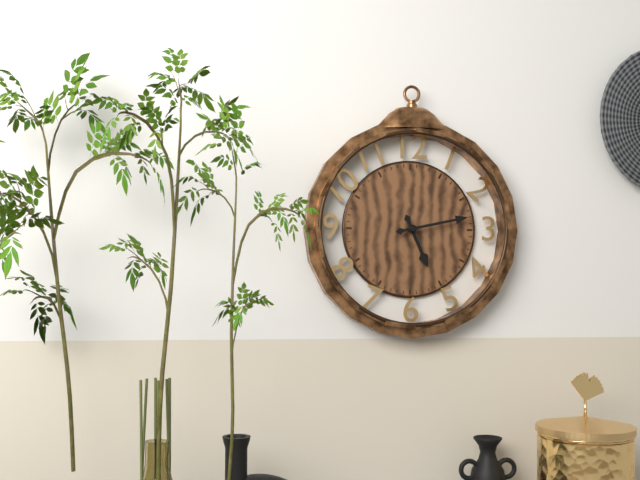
5:13
